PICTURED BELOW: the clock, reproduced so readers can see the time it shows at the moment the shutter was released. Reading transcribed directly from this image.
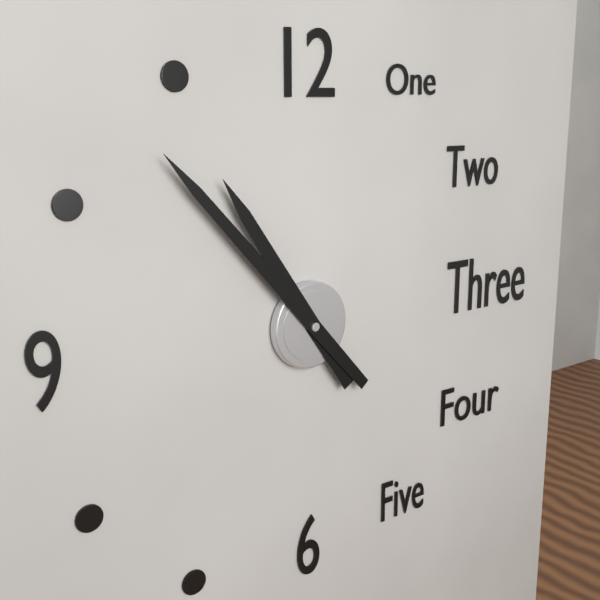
10:53
